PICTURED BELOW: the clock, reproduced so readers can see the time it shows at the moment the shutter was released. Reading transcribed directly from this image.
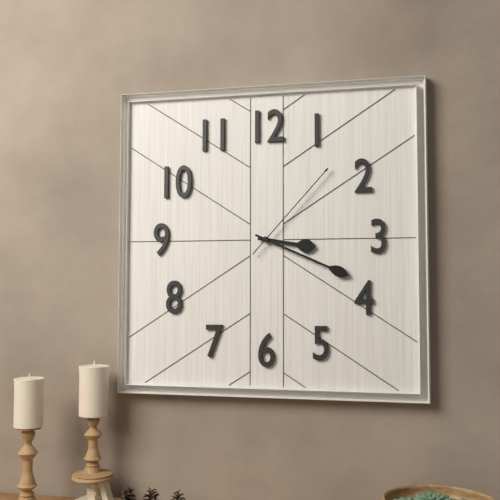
3:19:07
